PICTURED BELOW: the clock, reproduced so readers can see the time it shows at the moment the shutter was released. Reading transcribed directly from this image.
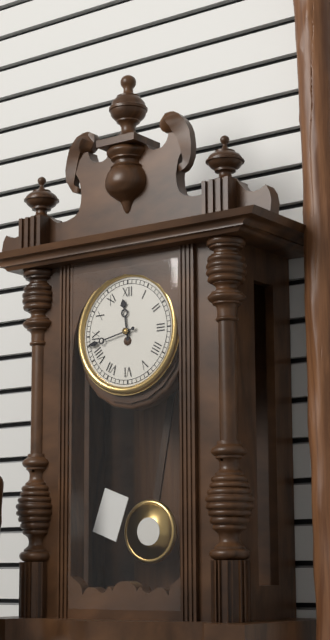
11:43
